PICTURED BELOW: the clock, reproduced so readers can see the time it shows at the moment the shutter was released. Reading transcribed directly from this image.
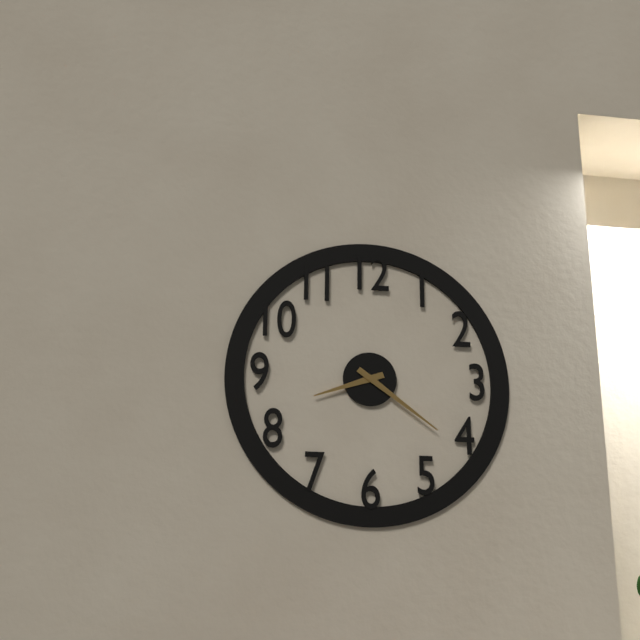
8:21
